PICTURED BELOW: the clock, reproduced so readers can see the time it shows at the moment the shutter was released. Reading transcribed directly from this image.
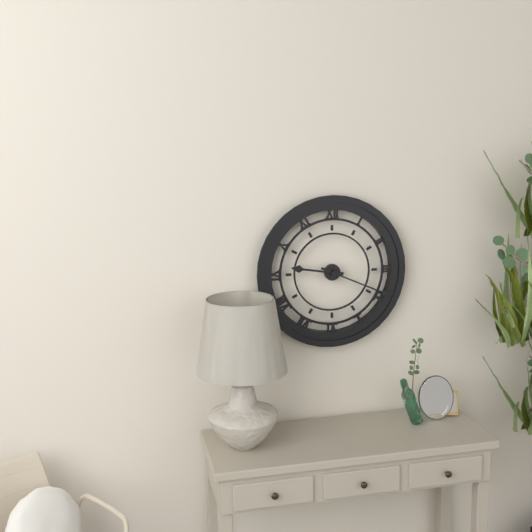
9:19
